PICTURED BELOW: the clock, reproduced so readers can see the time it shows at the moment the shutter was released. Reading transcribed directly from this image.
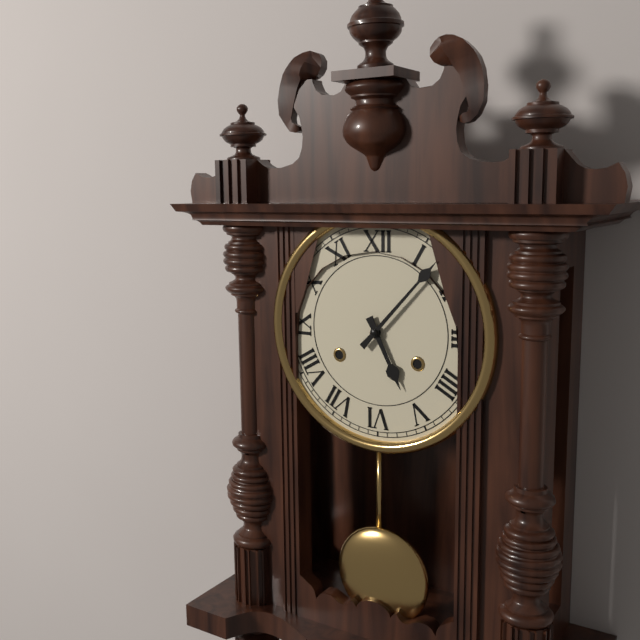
5:07
